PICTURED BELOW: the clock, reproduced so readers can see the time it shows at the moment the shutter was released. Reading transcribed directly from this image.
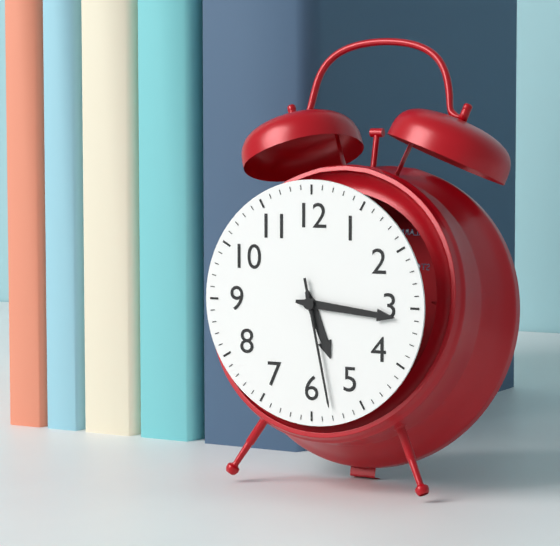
5:16:28
